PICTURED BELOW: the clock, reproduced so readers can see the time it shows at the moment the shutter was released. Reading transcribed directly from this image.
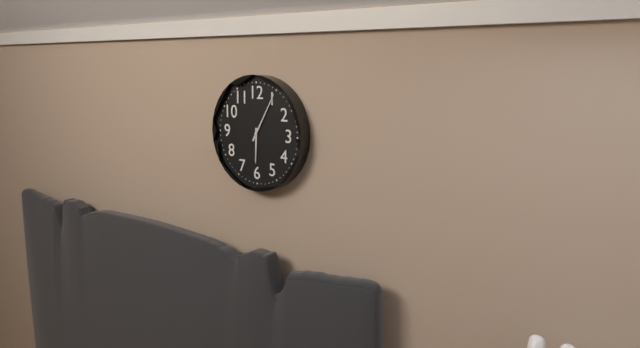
6:05
